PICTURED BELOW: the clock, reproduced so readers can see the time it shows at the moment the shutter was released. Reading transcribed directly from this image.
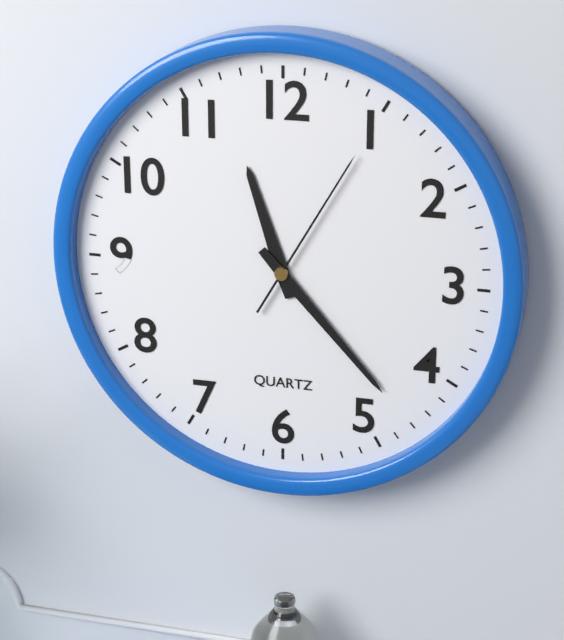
11:23:05
